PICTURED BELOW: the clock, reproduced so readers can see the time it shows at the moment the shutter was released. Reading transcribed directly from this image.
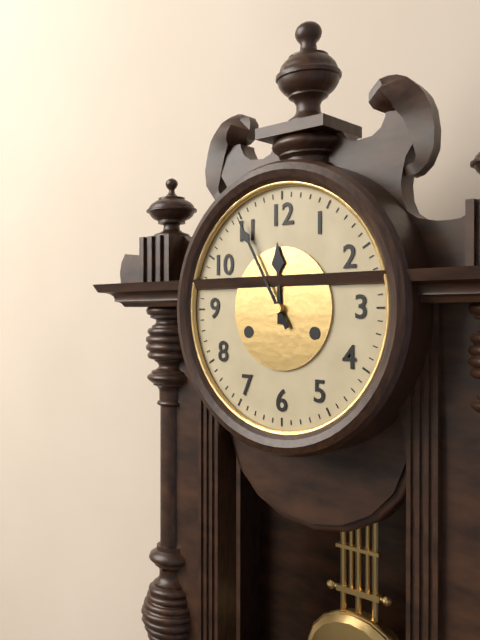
11:55
